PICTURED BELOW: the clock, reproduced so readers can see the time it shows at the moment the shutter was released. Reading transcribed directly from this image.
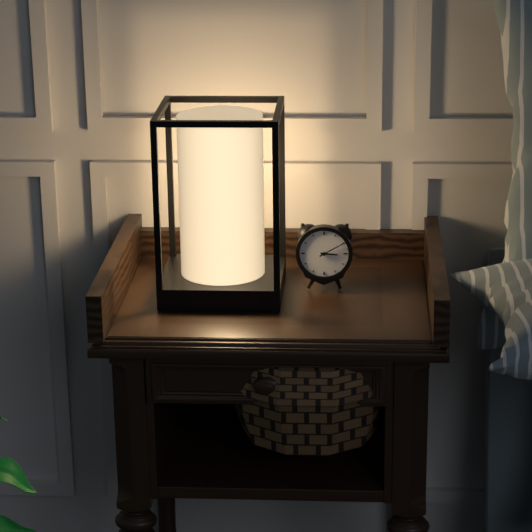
3:10
